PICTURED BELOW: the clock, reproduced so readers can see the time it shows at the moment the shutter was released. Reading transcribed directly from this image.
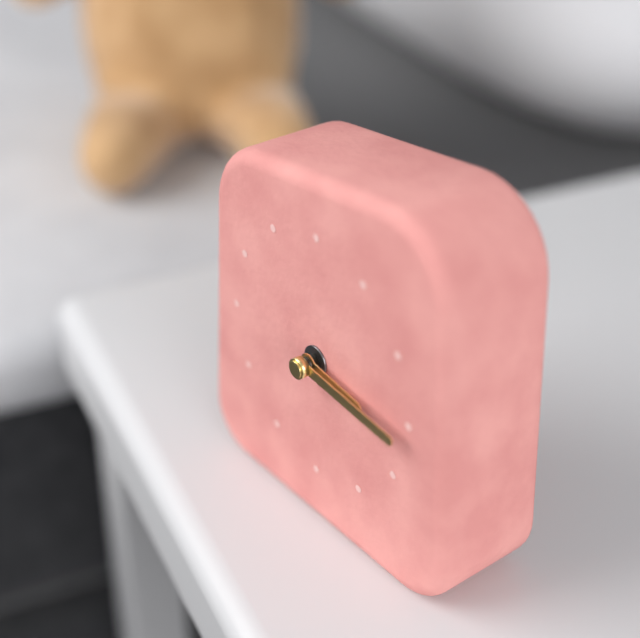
3:16
